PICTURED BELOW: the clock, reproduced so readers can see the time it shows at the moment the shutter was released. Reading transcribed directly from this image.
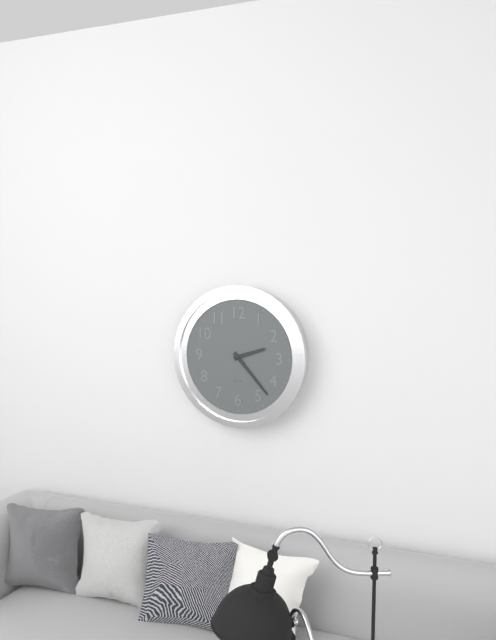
2:23
